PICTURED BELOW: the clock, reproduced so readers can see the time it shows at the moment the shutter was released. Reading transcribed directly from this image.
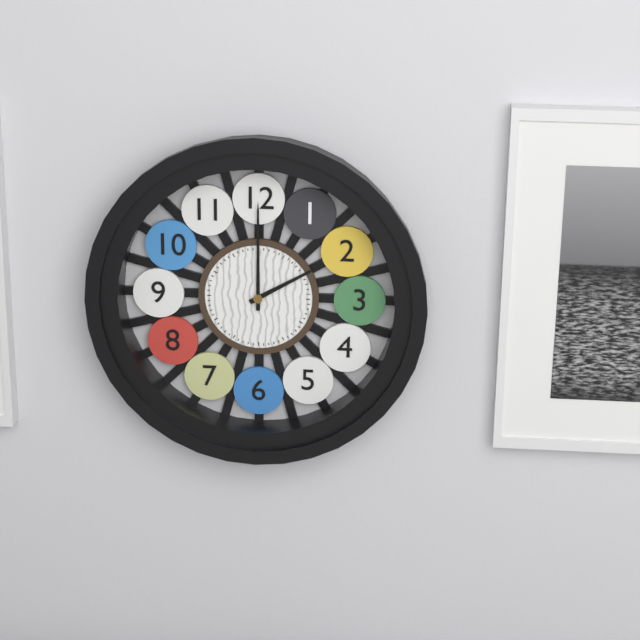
2:00
